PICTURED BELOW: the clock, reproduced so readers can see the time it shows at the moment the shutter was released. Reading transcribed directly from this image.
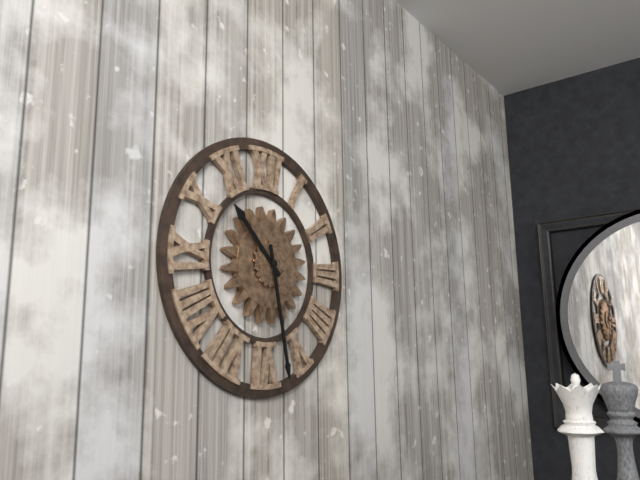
10:28
